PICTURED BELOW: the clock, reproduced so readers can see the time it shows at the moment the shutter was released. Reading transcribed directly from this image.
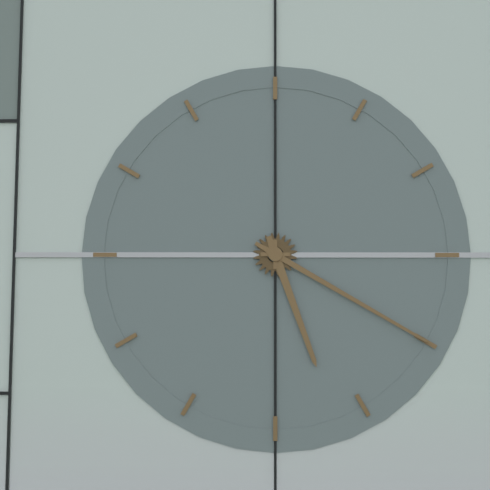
5:20
